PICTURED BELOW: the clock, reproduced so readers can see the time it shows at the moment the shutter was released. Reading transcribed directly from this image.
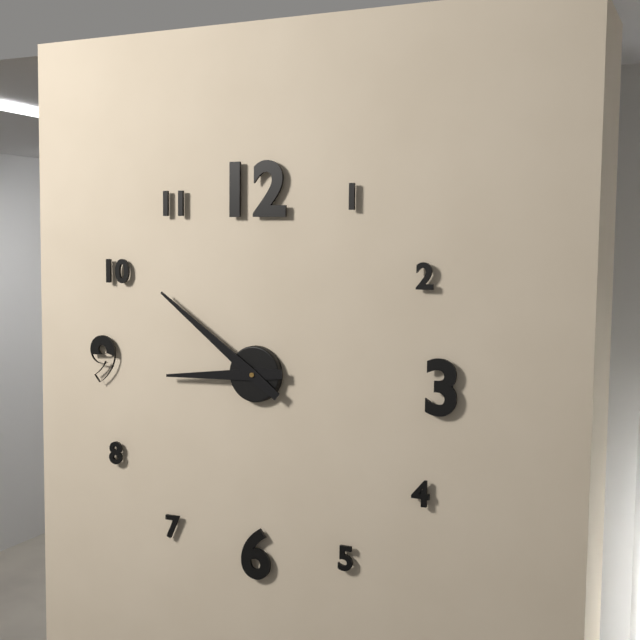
8:51
